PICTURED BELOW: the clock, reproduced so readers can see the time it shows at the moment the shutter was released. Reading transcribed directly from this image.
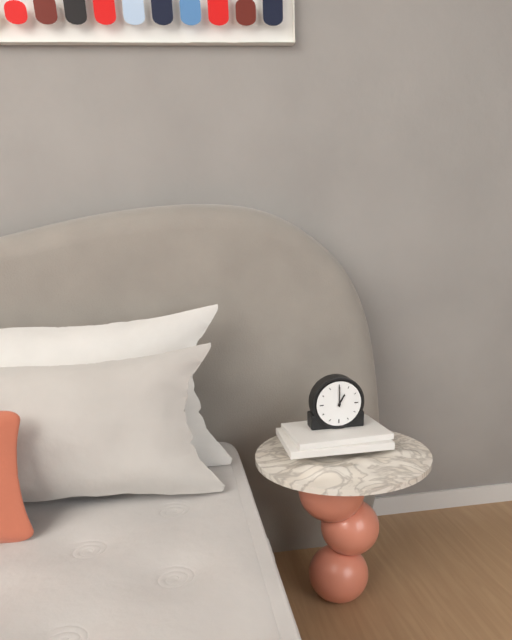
1:00
